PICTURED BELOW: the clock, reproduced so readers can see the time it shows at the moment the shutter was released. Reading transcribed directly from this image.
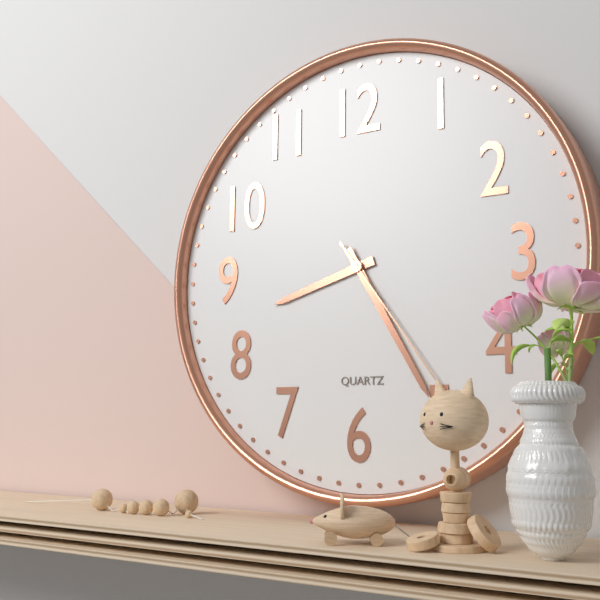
8:25:24
